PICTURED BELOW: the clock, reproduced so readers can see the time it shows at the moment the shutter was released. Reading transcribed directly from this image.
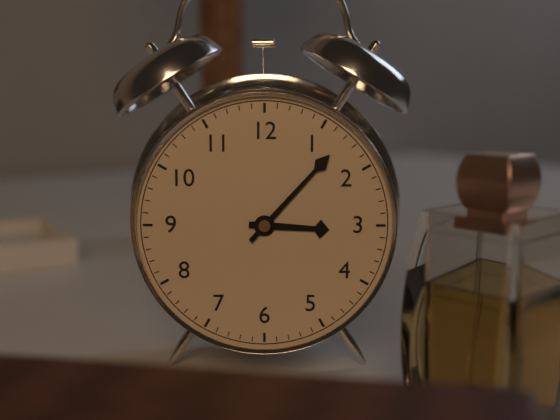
3:07
